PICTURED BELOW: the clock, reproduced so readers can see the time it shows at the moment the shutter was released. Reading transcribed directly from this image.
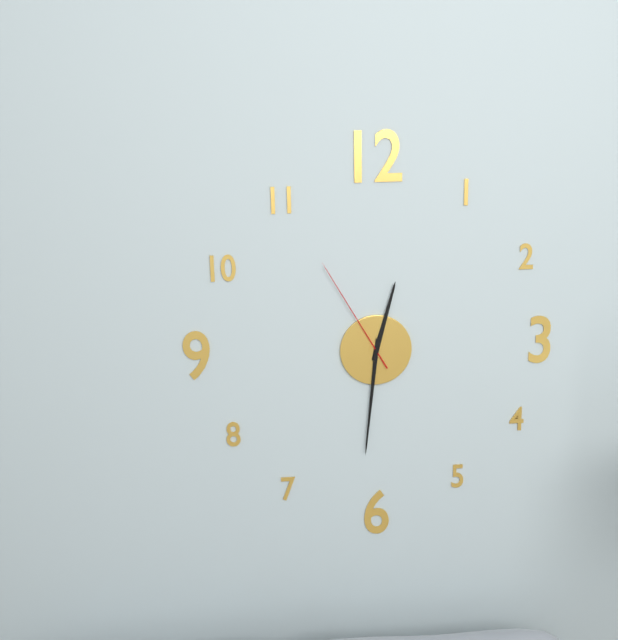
12:31:55
